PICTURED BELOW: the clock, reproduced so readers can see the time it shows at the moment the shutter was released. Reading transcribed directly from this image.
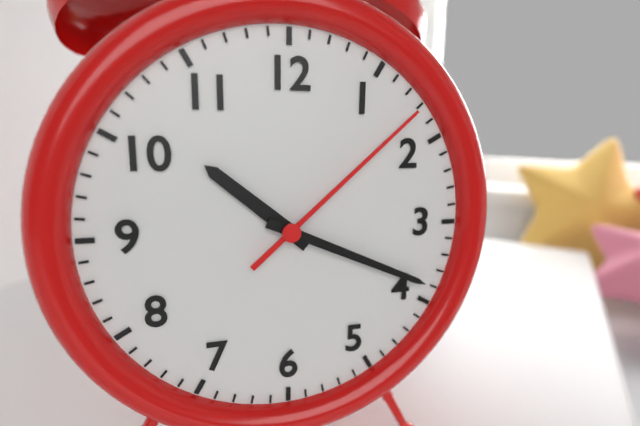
10:19:08
